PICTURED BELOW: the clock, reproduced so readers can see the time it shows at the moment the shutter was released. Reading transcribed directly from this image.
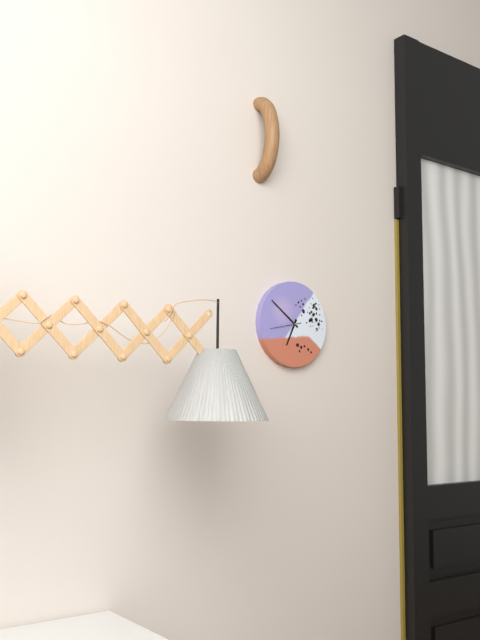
6:51
